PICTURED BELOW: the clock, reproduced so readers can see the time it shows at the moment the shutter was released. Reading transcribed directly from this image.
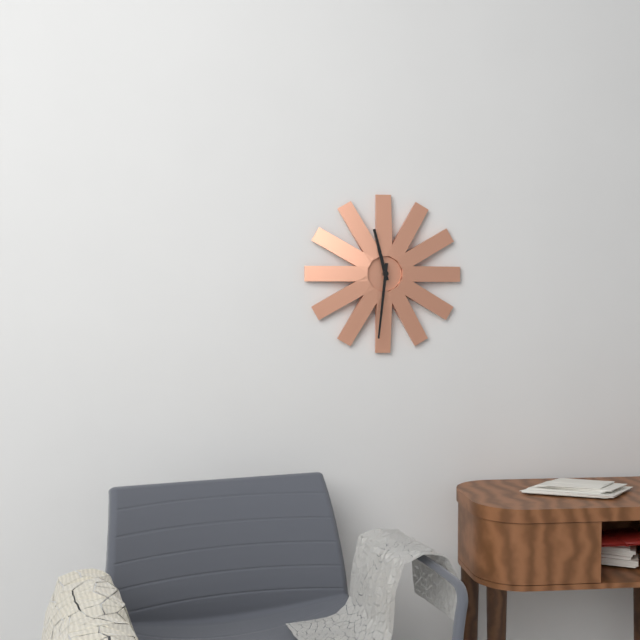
11:31
